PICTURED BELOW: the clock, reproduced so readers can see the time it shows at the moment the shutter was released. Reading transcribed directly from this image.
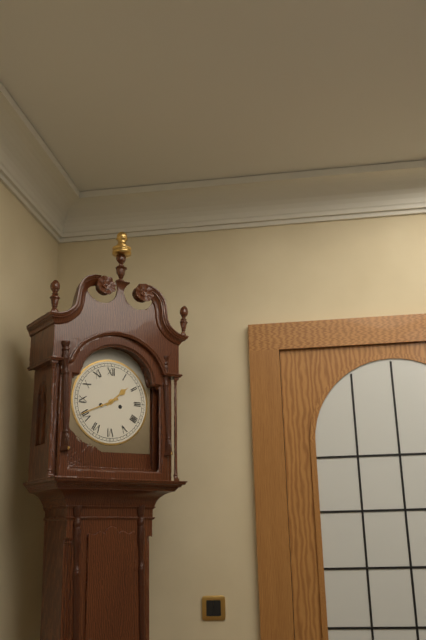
1:41
